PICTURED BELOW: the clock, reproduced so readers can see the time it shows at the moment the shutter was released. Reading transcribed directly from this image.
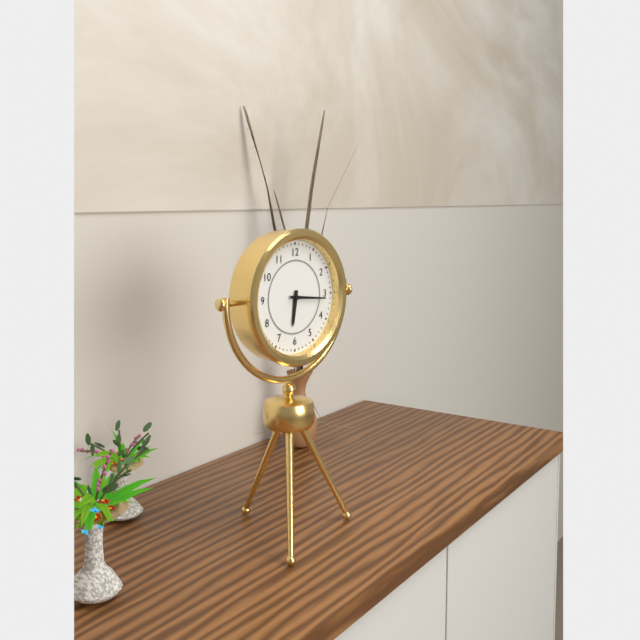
6:16
